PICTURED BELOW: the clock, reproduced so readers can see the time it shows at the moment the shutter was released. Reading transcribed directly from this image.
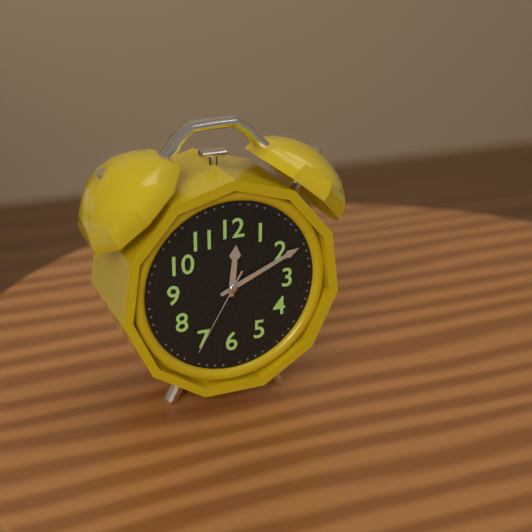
12:11:35
